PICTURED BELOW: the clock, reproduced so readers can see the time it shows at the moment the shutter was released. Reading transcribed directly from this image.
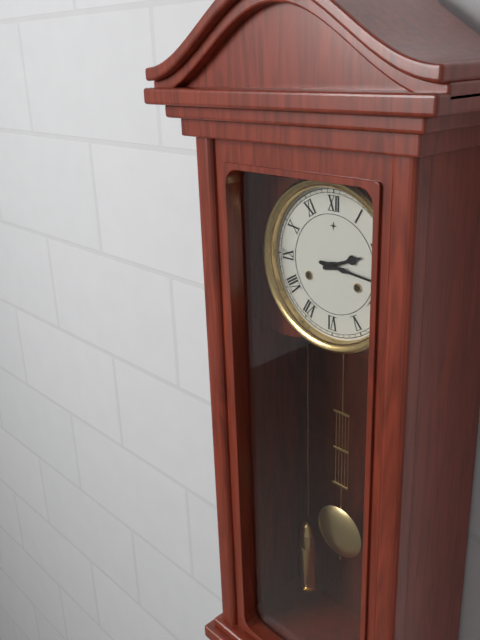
2:16
